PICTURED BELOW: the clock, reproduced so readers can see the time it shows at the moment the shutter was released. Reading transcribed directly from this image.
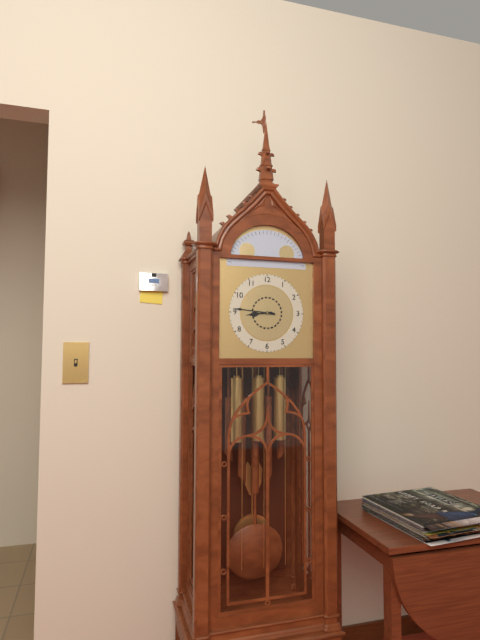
8:46
